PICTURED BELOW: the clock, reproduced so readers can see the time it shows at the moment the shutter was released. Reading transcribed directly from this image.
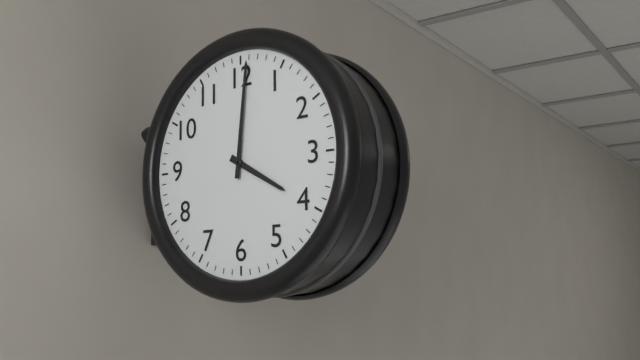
4:01
